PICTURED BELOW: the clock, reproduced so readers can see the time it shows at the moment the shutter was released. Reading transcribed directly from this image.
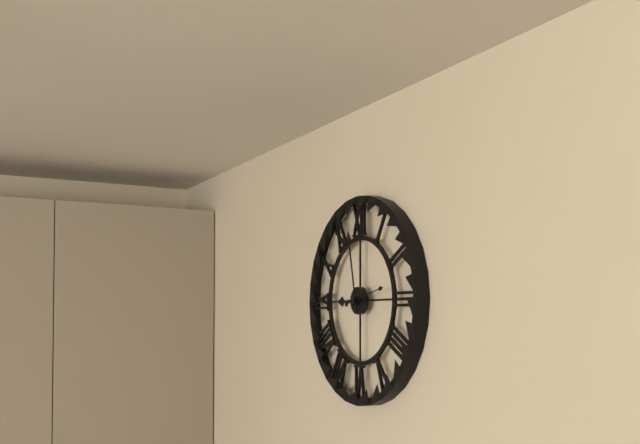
8:58
